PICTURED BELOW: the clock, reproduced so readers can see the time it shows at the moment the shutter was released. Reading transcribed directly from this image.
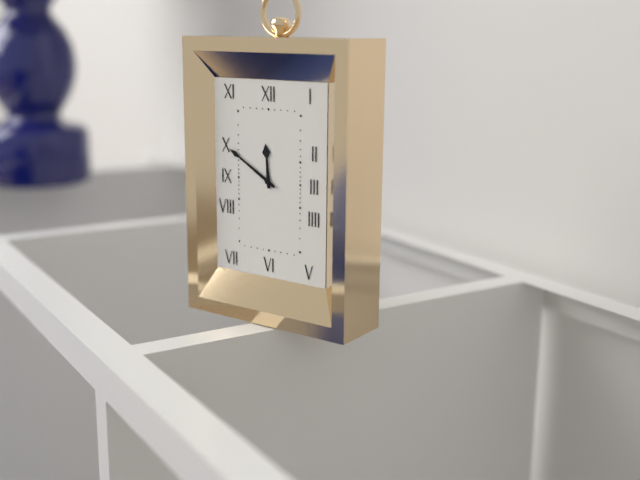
11:50
